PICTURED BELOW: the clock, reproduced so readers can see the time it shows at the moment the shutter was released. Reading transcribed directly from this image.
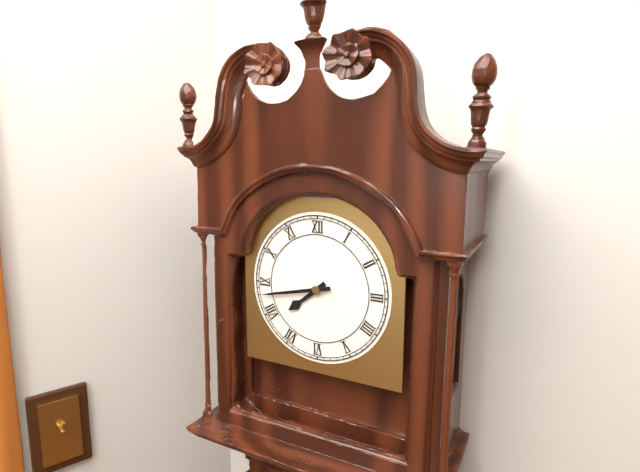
7:43
